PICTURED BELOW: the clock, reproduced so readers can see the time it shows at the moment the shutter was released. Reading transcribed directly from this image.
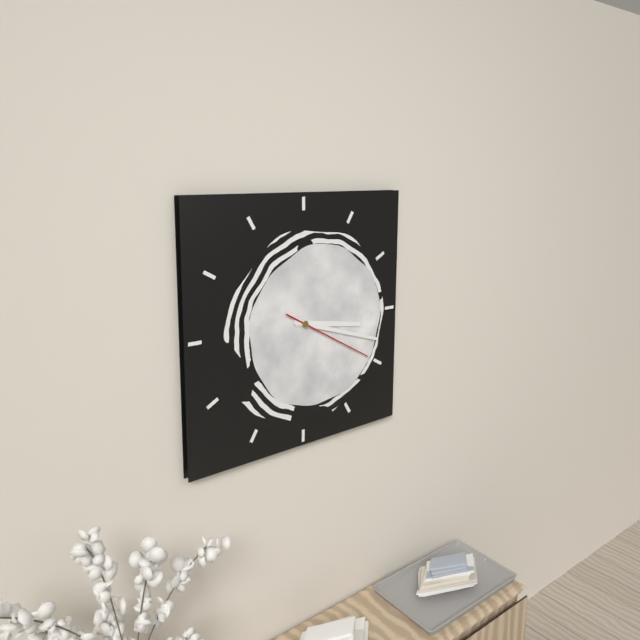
3:18:20
